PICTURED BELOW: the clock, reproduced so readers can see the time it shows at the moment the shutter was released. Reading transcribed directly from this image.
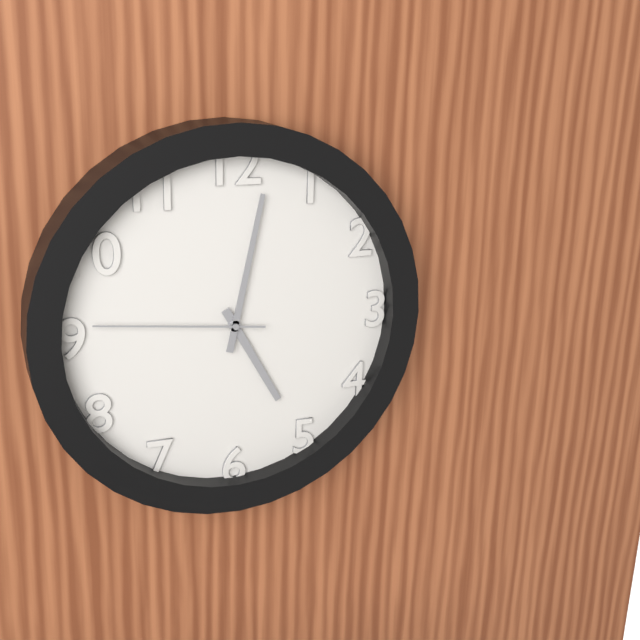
5:02:46
